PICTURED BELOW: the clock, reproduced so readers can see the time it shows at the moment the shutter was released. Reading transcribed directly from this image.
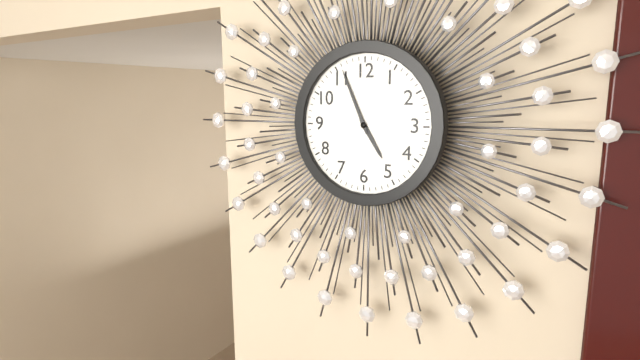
4:56
